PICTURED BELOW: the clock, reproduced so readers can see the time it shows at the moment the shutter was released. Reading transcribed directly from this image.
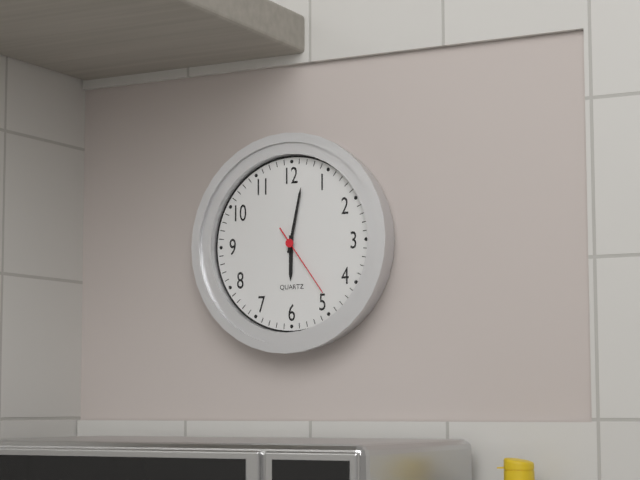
6:02:24
